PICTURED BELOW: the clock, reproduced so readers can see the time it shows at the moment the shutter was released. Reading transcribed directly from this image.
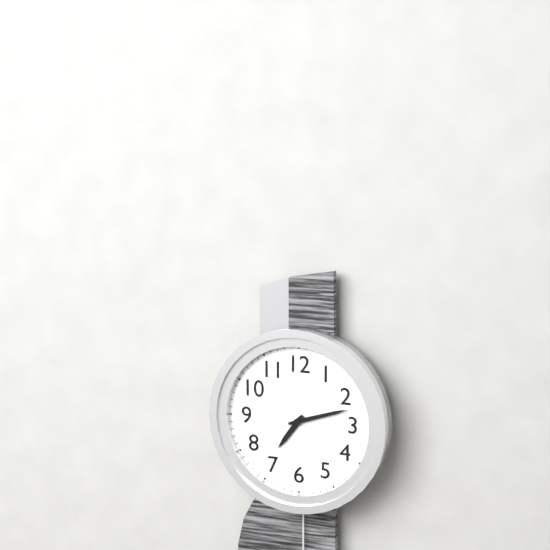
7:12
